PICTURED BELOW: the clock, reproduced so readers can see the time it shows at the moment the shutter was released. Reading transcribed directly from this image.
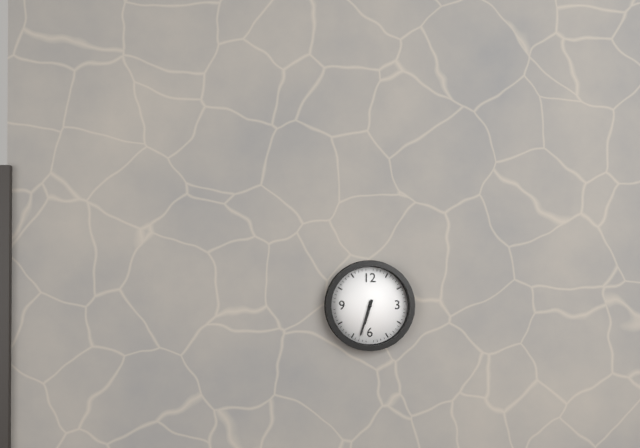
6:33
